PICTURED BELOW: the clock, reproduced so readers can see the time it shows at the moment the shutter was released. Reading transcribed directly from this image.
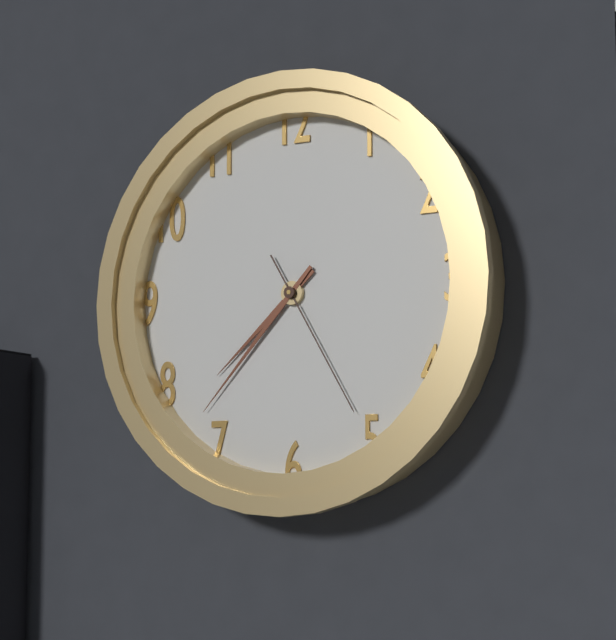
7:37:25
